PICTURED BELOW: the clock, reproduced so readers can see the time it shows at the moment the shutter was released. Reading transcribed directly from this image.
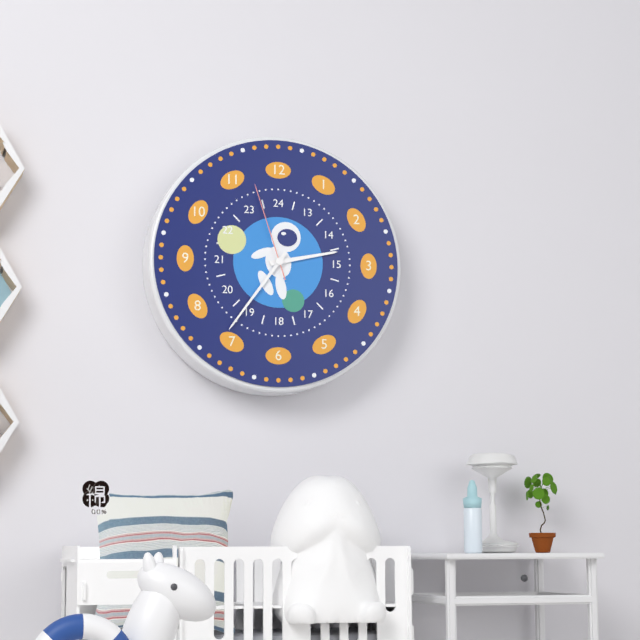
2:36:57
